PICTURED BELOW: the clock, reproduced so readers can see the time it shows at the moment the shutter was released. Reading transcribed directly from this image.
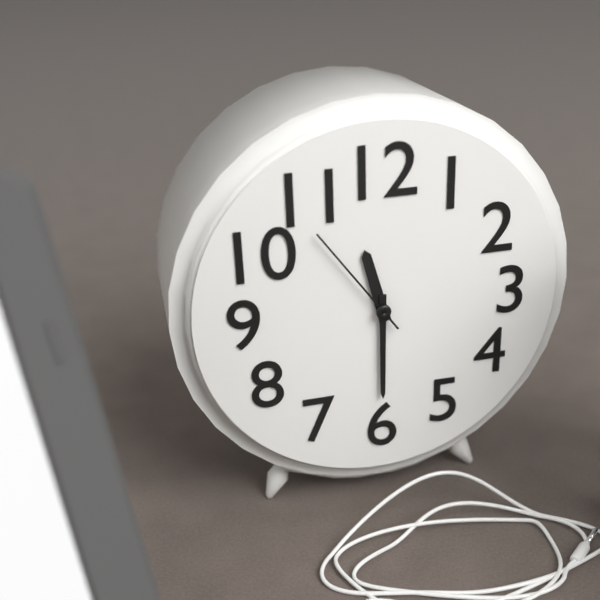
11:30:54
